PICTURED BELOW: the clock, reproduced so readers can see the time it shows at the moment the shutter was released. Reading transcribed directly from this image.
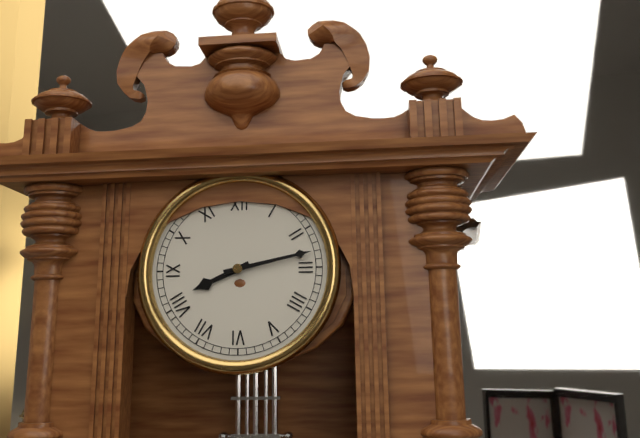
8:13
